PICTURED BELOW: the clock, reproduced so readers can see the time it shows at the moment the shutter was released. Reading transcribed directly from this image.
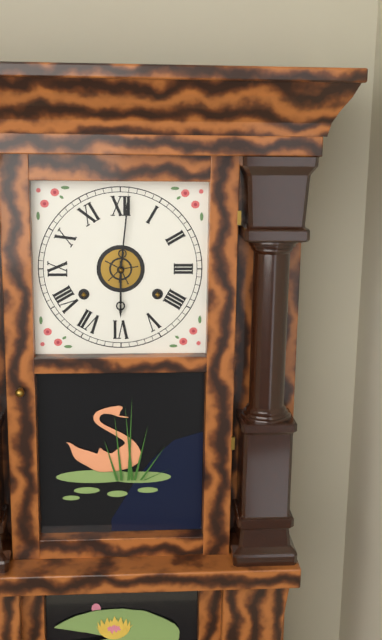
6:01
